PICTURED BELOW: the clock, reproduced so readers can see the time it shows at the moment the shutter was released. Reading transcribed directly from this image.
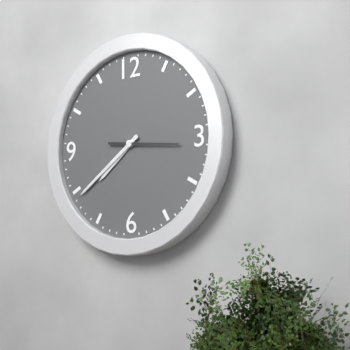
7:39:16
